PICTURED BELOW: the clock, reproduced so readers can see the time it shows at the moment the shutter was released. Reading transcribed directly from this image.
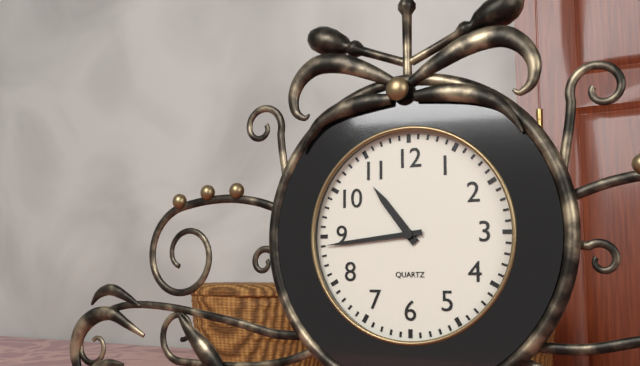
10:44
